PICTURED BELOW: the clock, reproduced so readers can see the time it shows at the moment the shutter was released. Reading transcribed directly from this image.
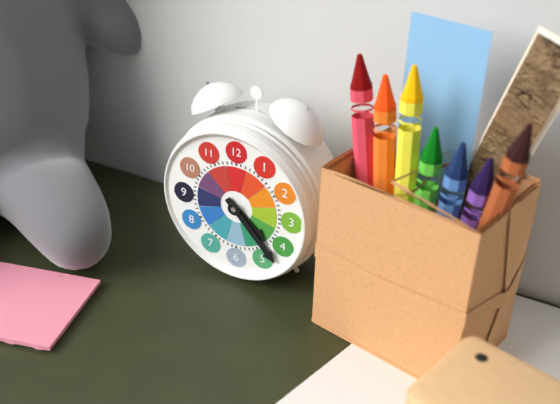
4:23
